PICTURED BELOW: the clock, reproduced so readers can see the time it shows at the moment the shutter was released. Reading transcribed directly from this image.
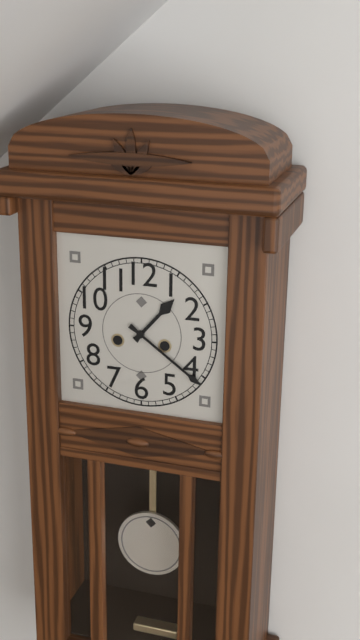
1:21
